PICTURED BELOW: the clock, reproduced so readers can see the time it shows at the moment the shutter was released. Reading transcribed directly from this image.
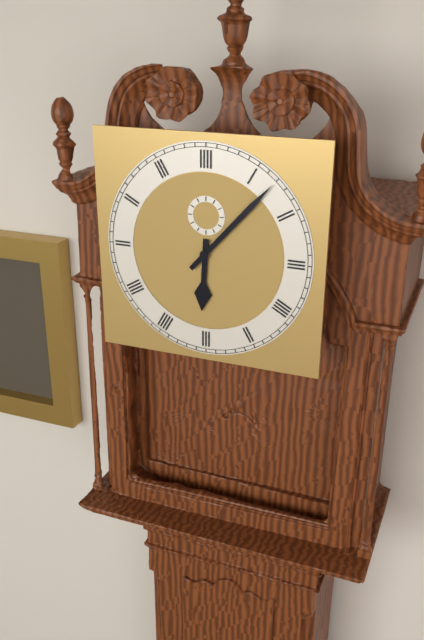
6:07
